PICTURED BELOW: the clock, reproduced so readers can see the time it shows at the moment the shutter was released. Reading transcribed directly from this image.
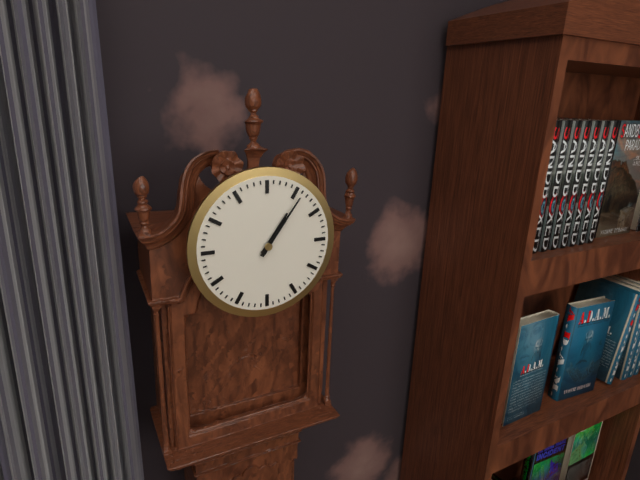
1:06
